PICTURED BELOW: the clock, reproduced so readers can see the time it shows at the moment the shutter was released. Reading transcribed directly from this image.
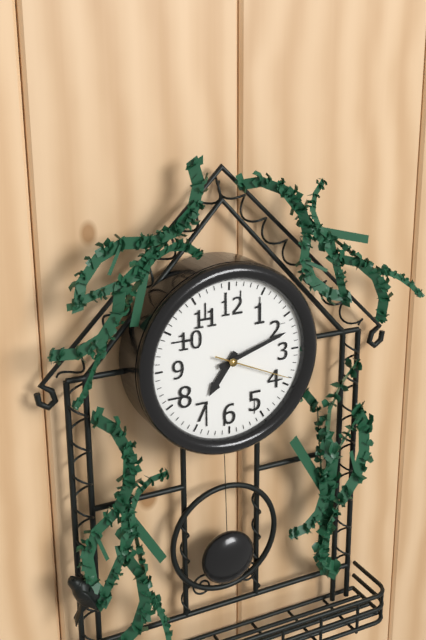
7:12:19
